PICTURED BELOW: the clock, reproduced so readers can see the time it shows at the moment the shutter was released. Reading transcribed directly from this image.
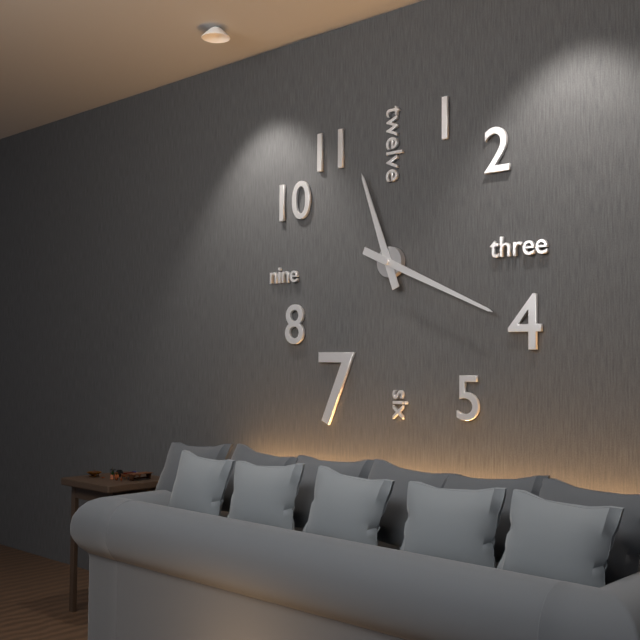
11:19
